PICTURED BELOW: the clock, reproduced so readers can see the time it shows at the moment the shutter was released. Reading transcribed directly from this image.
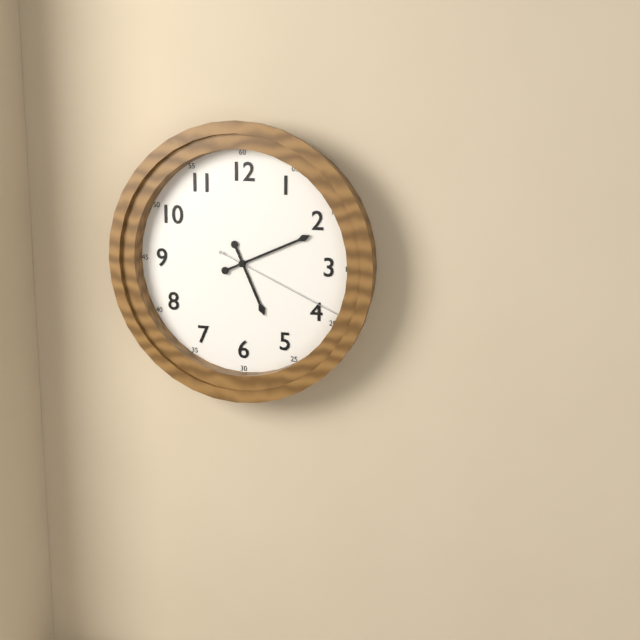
5:11:19
